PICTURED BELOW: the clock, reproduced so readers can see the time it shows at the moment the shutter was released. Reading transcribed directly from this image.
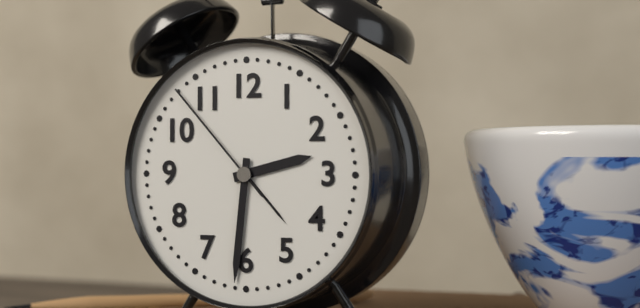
2:31:53
